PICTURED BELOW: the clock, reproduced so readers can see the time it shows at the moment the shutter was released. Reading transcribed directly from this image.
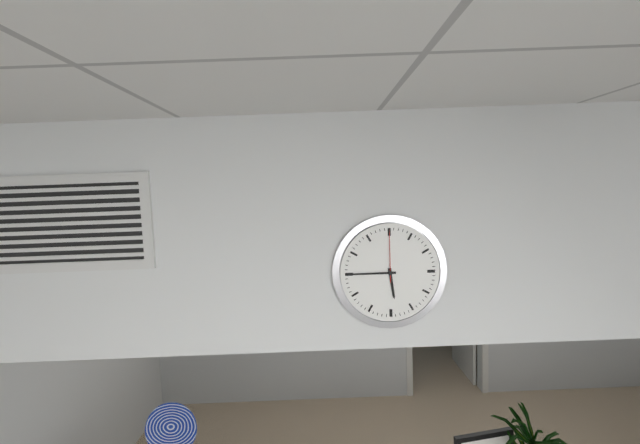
5:45:00
